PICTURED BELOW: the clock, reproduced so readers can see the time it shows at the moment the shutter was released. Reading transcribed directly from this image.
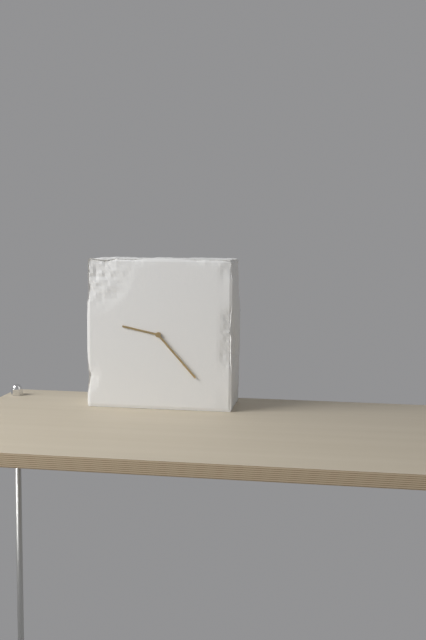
9:23
